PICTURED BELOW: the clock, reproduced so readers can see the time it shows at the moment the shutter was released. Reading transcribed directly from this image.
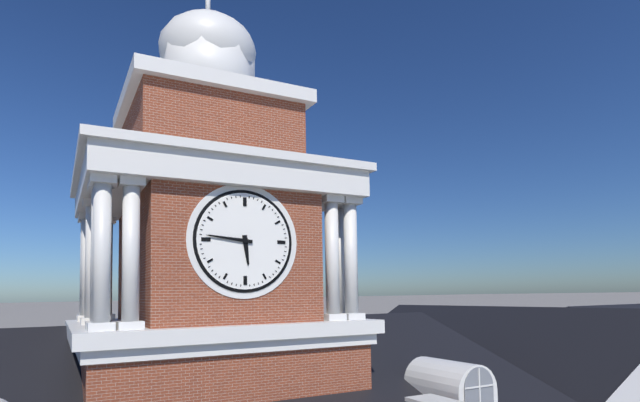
5:46
